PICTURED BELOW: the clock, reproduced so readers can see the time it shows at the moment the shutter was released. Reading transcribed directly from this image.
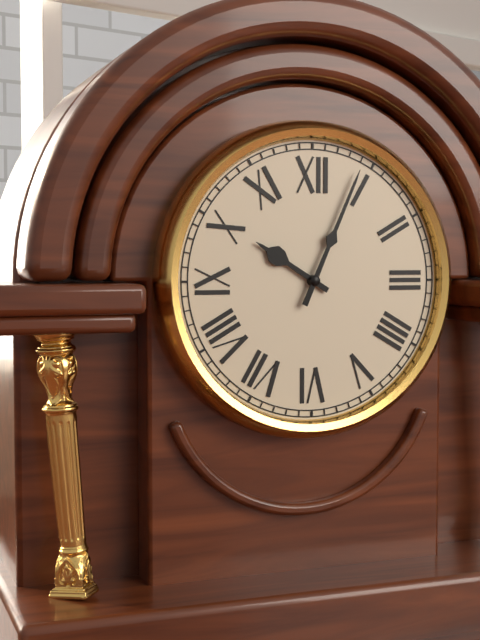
10:04
